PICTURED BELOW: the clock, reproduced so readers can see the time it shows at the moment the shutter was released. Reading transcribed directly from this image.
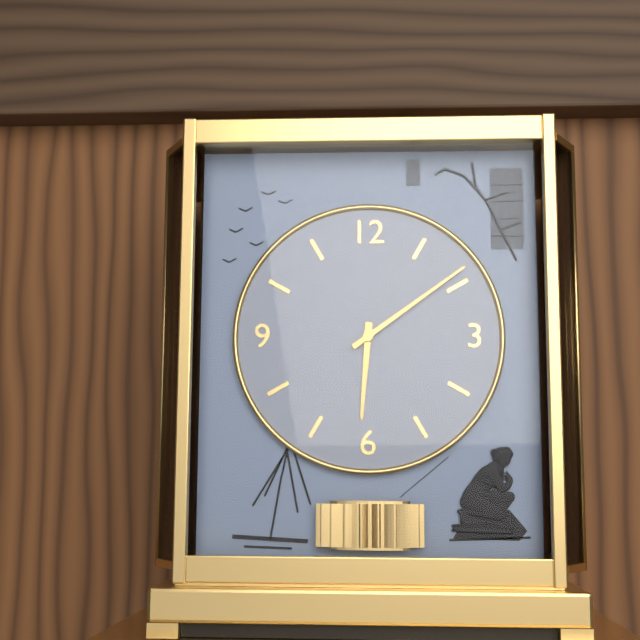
6:09
